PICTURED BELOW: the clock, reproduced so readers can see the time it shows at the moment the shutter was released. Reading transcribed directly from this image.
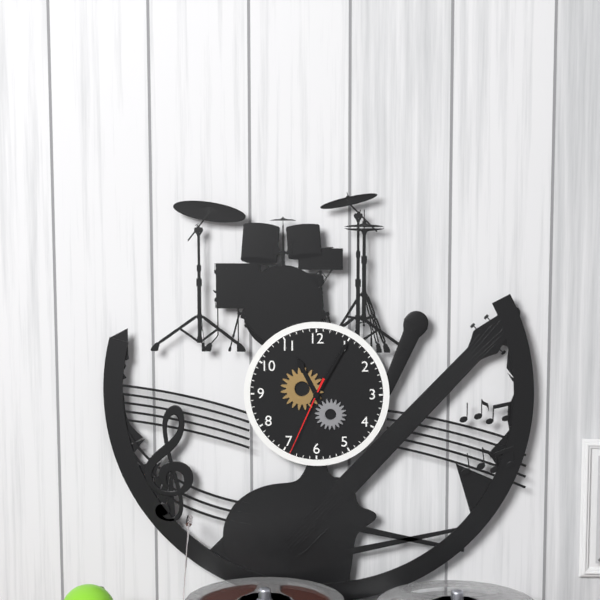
11:05:34
